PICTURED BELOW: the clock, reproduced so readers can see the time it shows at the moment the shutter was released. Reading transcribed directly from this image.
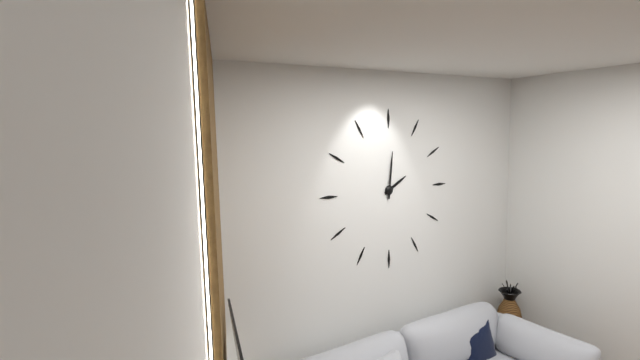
2:01
